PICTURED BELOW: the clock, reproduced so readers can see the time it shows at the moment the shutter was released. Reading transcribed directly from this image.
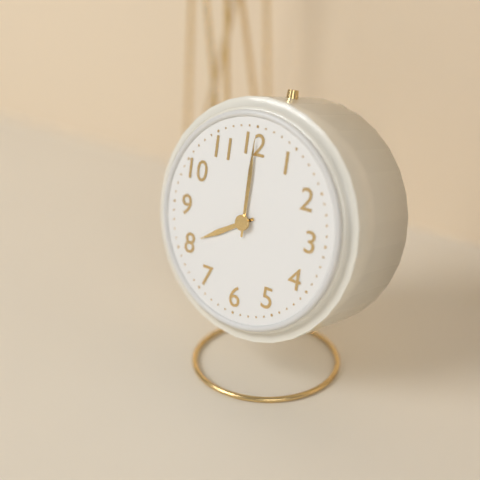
8:00
